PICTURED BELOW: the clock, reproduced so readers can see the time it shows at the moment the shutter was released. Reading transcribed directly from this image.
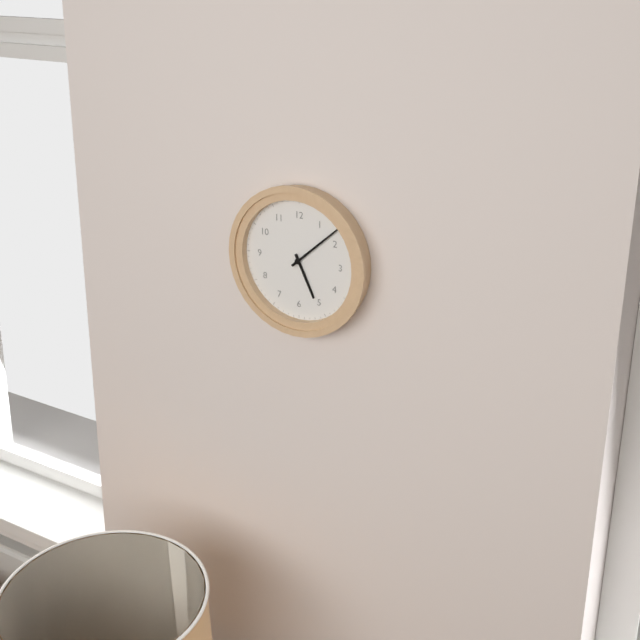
5:08
